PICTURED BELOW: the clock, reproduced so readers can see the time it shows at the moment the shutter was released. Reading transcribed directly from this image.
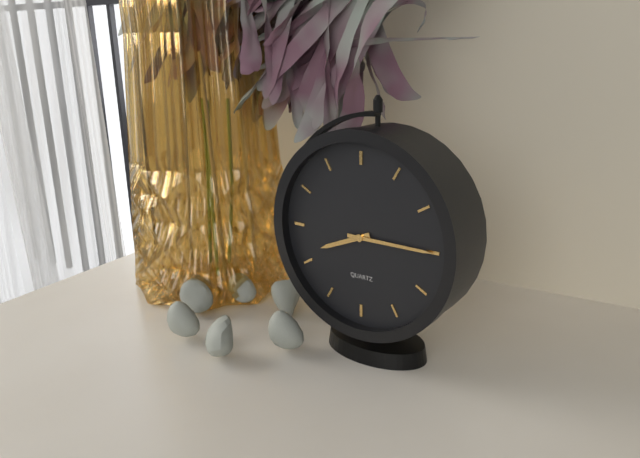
8:15
